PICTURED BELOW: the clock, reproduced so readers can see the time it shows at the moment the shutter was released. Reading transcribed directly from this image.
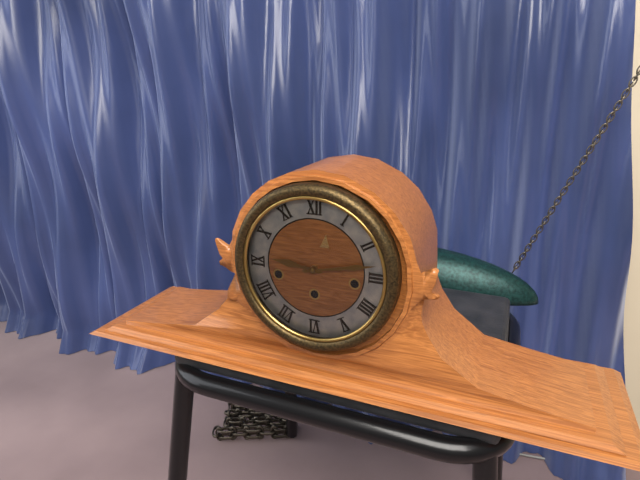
9:13
